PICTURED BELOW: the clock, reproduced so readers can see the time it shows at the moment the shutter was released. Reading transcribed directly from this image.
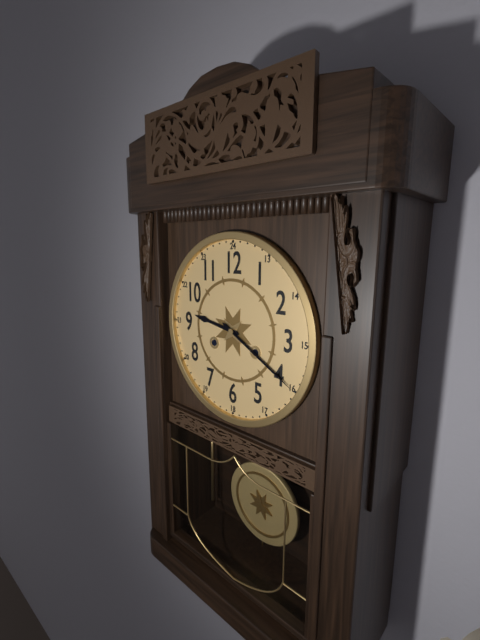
9:20
